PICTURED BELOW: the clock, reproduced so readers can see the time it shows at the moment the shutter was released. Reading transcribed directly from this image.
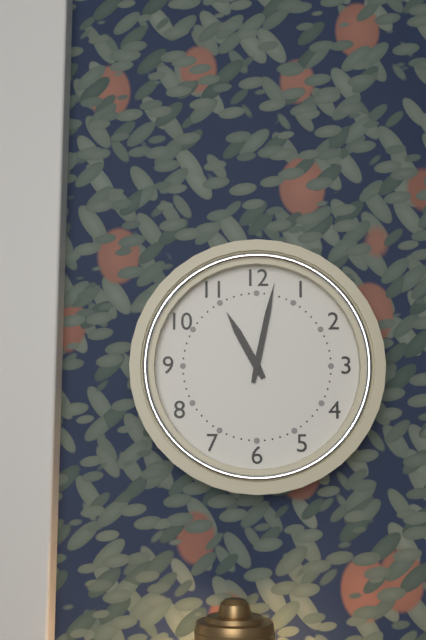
11:02
